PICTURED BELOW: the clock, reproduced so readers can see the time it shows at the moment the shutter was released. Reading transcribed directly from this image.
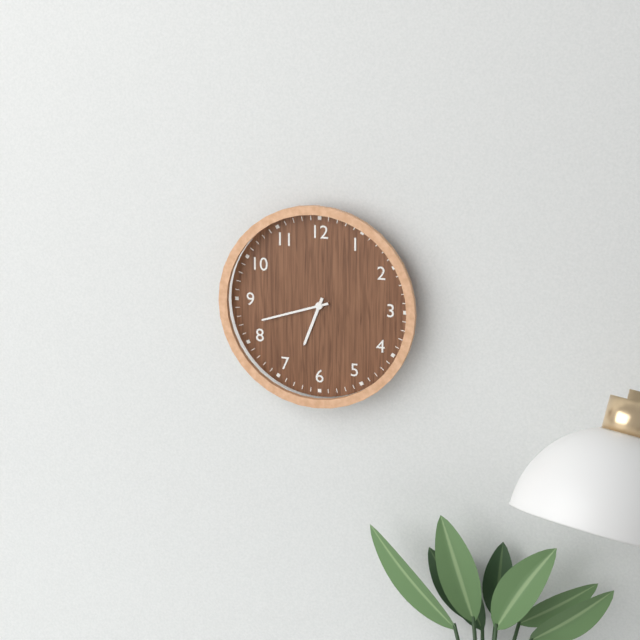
6:42
